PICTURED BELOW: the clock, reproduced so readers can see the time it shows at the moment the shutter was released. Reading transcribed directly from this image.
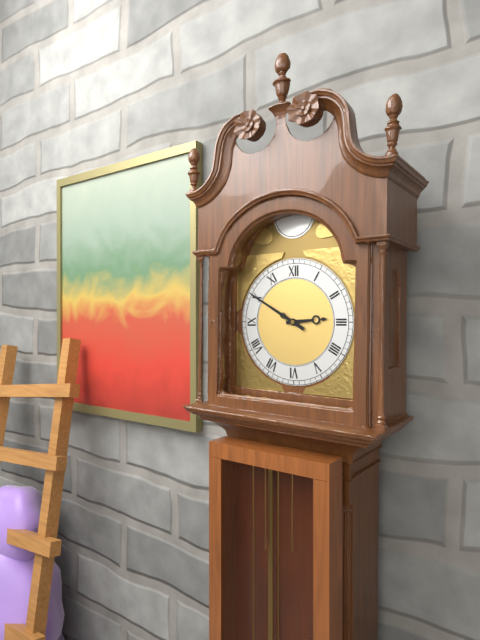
2:50
